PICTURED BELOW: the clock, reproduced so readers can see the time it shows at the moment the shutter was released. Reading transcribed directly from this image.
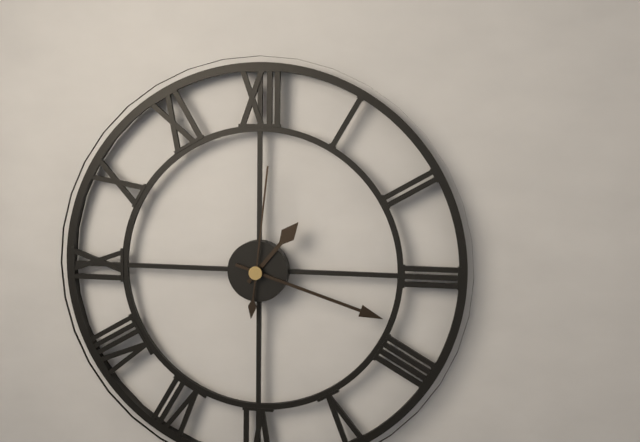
1:18:01
